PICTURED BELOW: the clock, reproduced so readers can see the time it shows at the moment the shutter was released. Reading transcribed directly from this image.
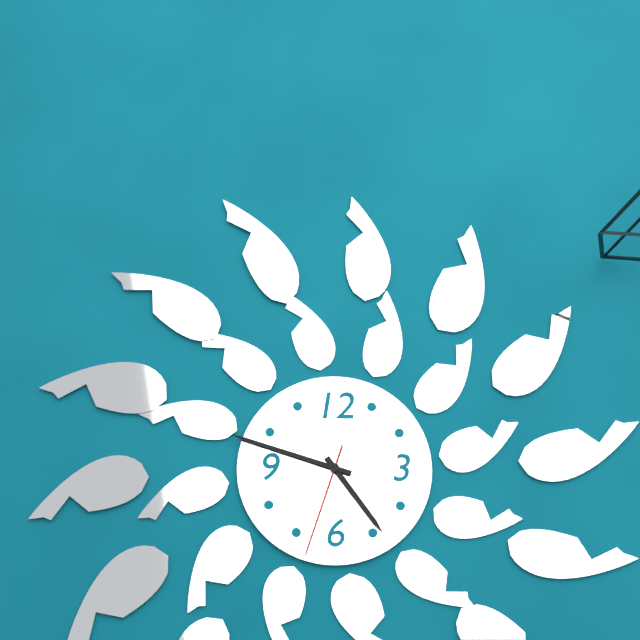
4:48:33
